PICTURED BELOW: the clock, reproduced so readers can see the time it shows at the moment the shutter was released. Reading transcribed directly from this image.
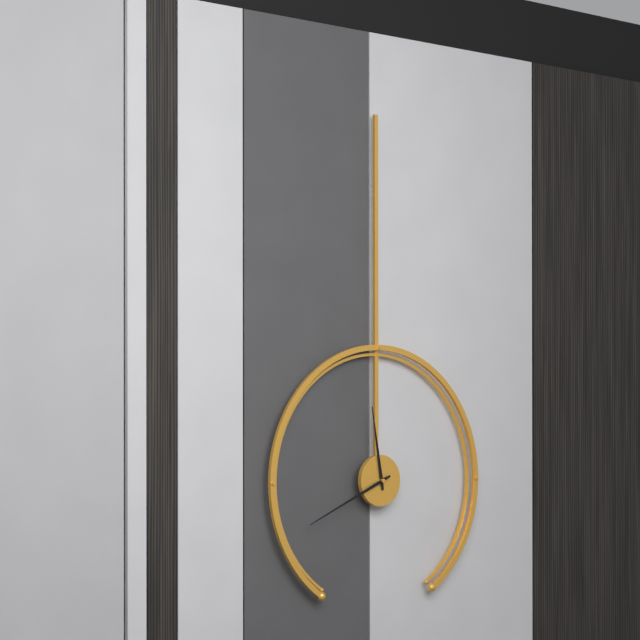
11:41
